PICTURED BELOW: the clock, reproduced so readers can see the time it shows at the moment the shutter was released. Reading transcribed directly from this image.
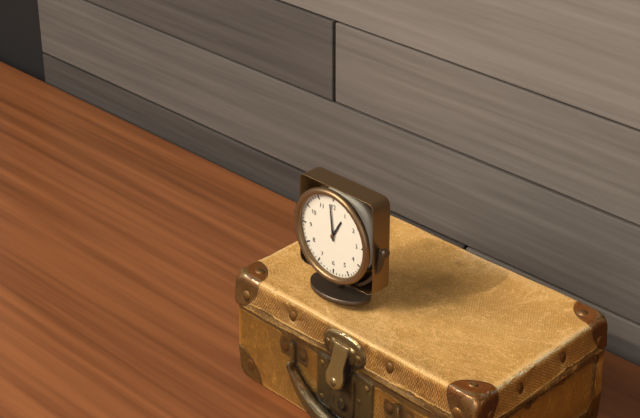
12:59
